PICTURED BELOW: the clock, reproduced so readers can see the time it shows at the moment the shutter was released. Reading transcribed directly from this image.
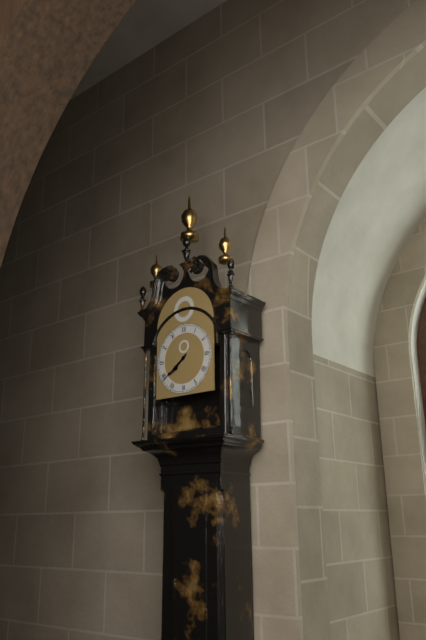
7:39
